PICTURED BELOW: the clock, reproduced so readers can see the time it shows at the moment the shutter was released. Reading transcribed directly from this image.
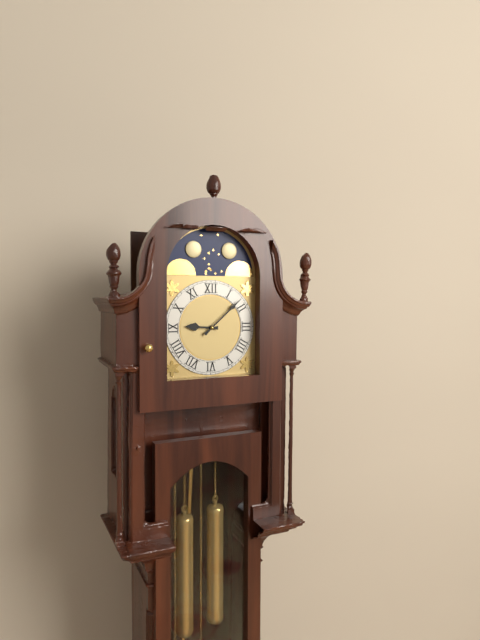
9:08
